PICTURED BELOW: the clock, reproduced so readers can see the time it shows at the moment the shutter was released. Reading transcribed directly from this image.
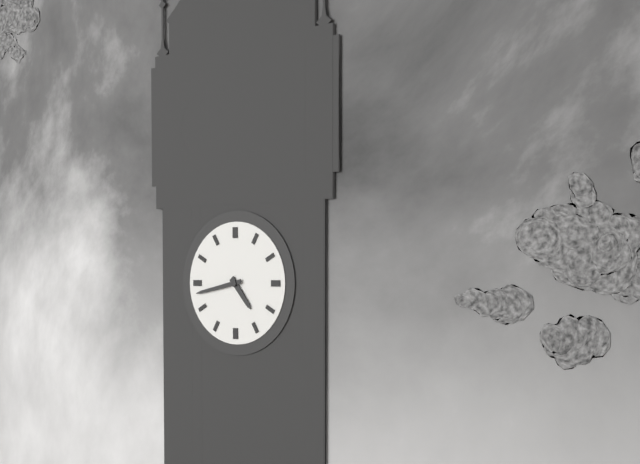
4:43
